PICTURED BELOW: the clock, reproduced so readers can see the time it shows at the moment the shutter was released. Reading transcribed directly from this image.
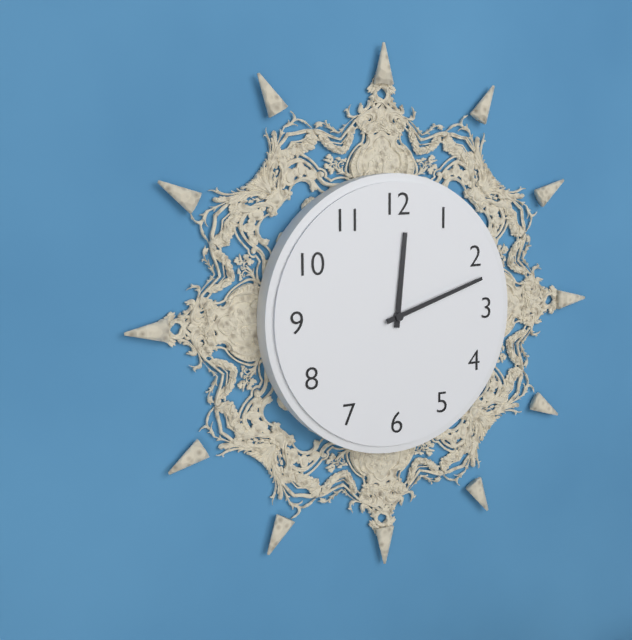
12:12
